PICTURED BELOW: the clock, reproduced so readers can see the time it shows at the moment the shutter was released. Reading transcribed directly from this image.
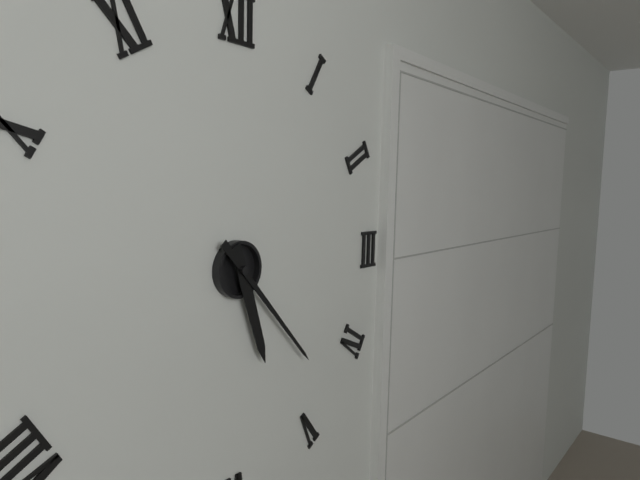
5:23
